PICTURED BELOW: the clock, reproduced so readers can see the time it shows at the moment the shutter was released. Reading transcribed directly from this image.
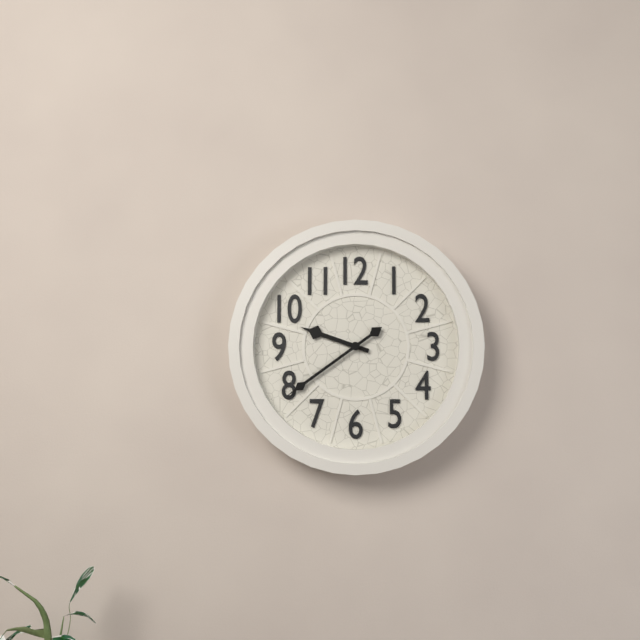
9:39
